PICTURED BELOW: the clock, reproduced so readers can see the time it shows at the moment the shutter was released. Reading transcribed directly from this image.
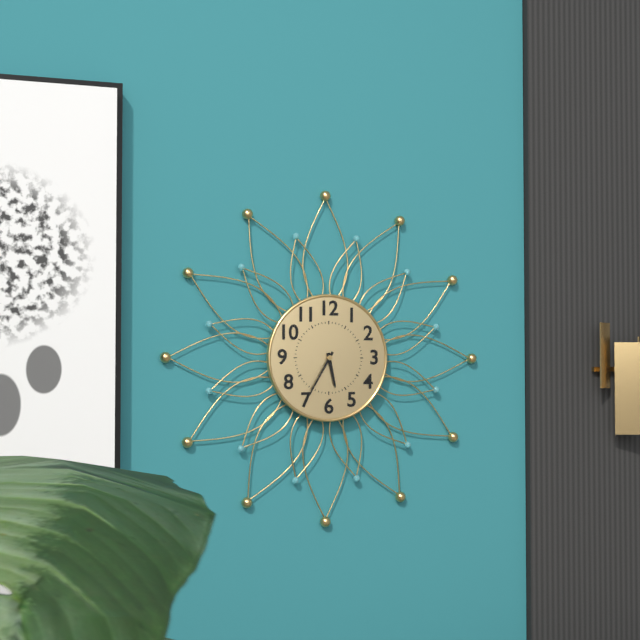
5:35
